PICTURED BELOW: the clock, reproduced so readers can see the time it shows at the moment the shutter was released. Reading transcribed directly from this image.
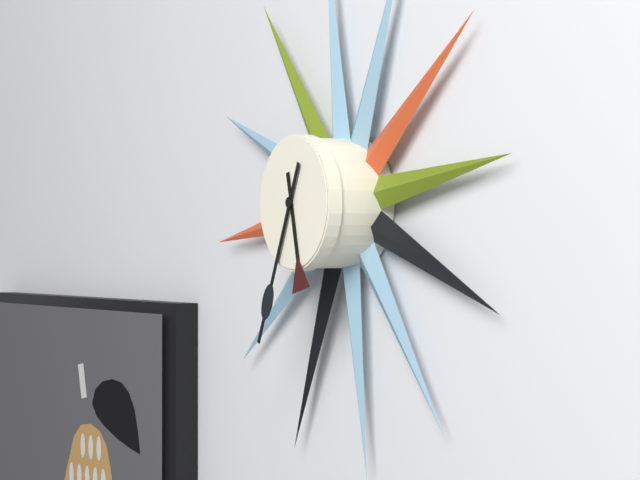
5:34
